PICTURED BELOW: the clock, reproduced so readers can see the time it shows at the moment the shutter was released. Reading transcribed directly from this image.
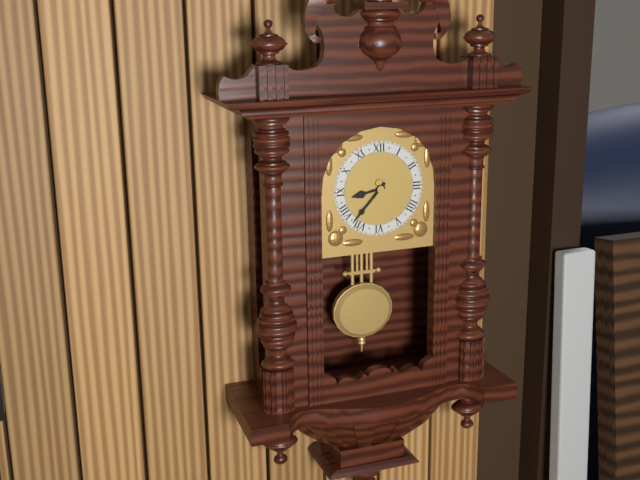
8:37
